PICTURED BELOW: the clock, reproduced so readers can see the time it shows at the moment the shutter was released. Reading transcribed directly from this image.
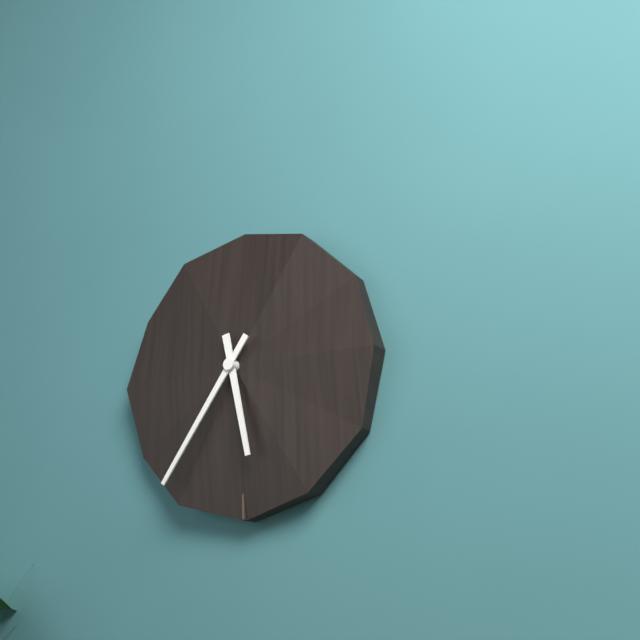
5:36
